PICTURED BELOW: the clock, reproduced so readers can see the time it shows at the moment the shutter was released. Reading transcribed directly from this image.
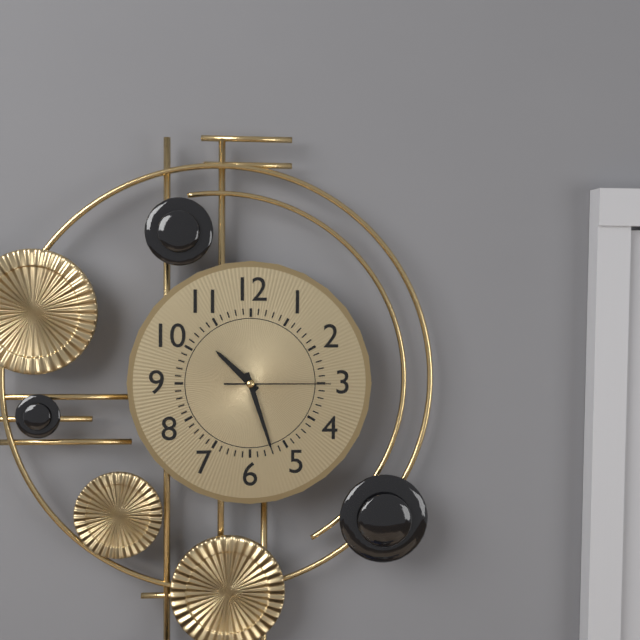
10:27:15
